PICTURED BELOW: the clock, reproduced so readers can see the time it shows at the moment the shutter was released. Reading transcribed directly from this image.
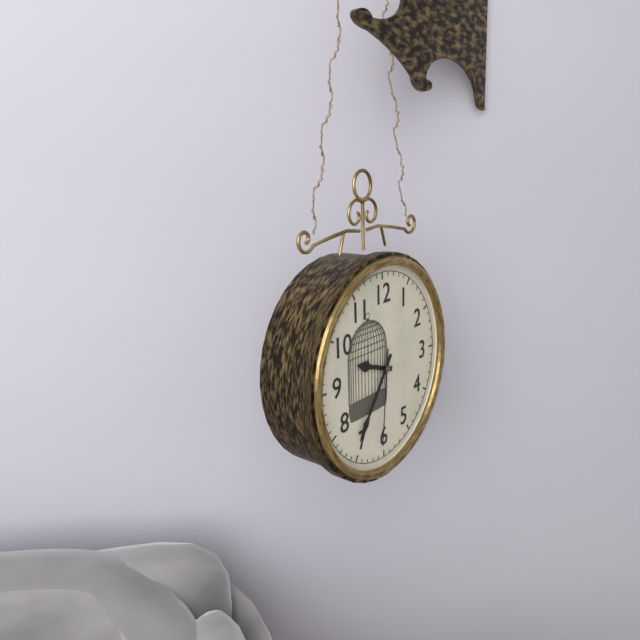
9:36:31
